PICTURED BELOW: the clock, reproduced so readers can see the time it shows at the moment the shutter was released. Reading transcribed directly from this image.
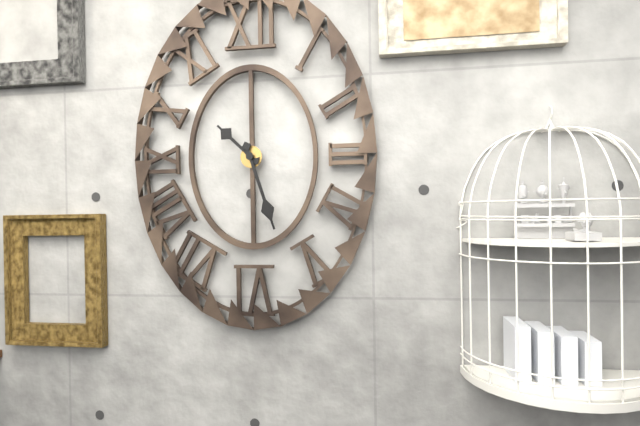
10:27
